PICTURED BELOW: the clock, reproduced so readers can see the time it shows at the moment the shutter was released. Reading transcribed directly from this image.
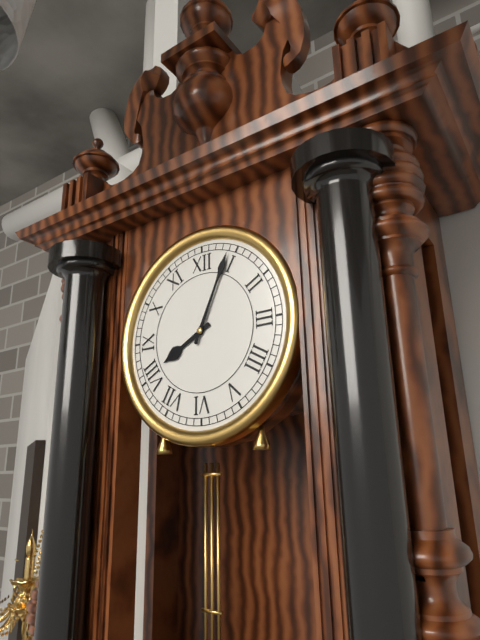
8:04
